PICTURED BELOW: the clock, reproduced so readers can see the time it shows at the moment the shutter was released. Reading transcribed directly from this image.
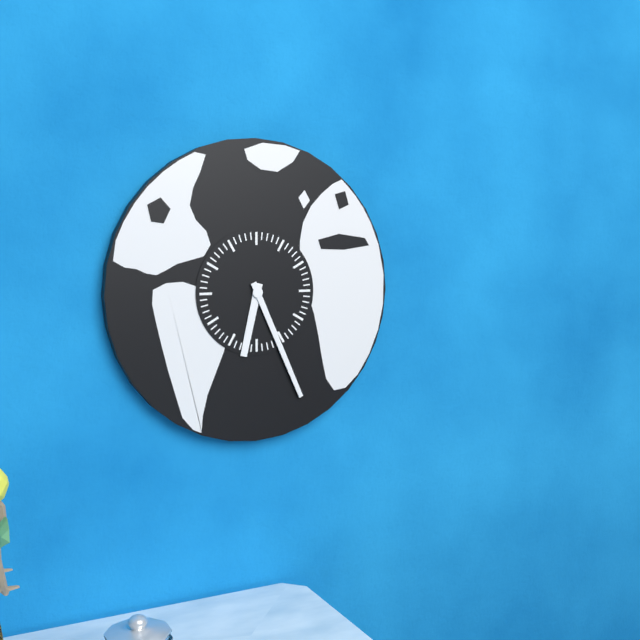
6:26
